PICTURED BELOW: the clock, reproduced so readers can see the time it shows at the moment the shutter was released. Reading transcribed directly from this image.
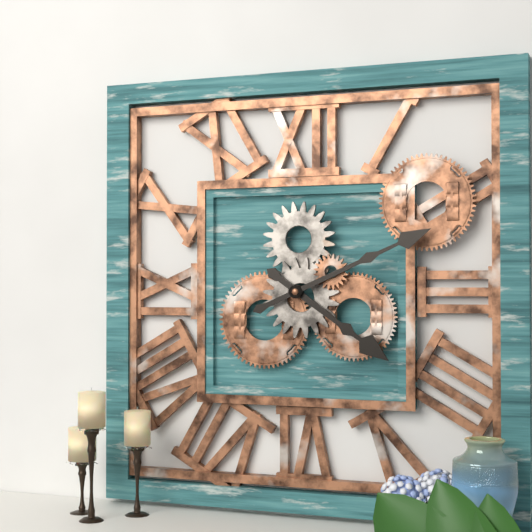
4:11
